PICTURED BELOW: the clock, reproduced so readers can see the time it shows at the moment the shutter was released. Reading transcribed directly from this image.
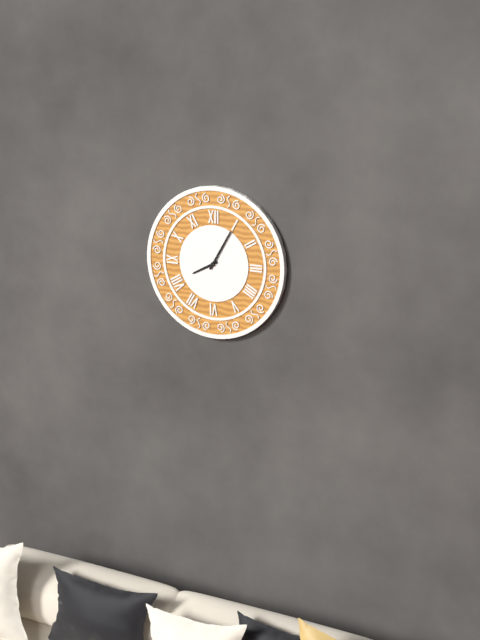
8:05
